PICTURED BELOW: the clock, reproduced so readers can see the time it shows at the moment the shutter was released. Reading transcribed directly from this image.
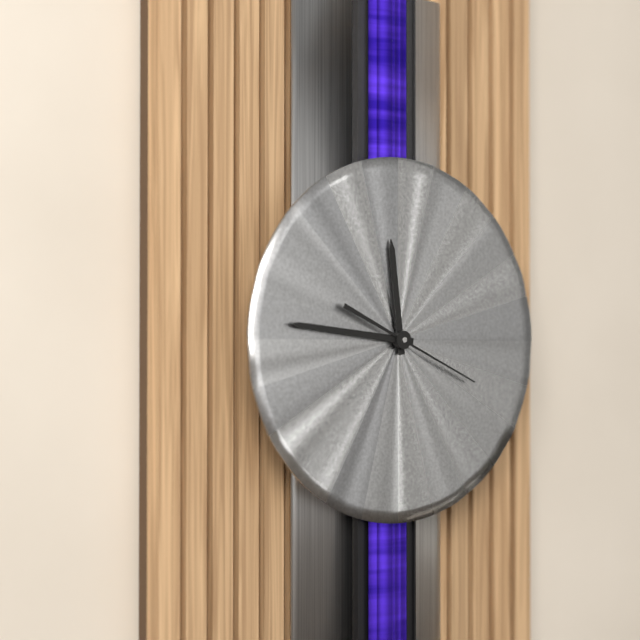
11:46:19
